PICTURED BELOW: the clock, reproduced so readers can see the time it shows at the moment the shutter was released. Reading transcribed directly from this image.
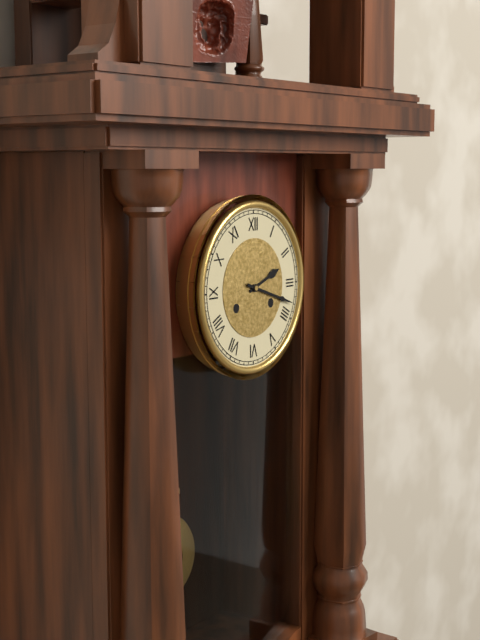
2:18
